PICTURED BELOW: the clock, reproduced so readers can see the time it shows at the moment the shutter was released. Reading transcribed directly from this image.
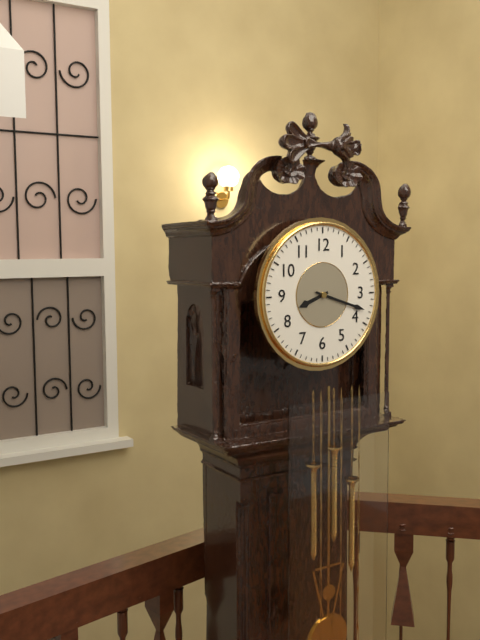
8:18
